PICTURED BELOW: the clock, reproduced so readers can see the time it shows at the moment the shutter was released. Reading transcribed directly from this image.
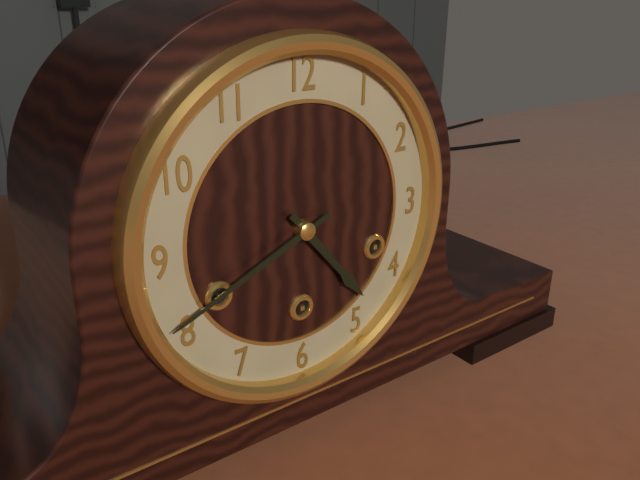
4:41
